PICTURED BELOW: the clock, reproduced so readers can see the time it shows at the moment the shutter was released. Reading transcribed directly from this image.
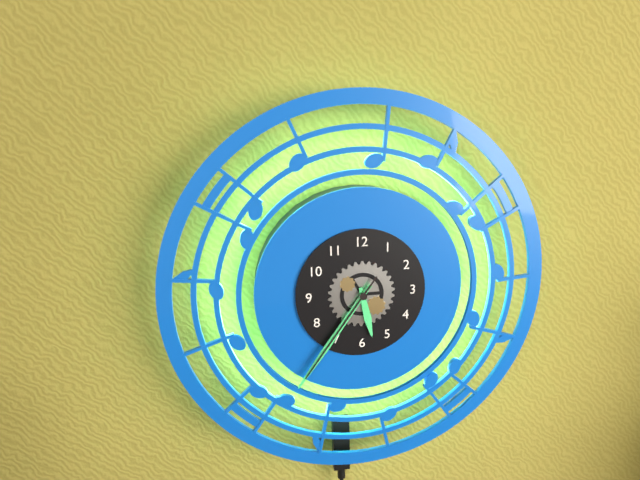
5:36:36
